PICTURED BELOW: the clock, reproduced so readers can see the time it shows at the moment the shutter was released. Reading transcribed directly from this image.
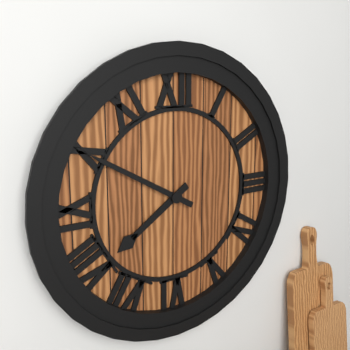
7:50
